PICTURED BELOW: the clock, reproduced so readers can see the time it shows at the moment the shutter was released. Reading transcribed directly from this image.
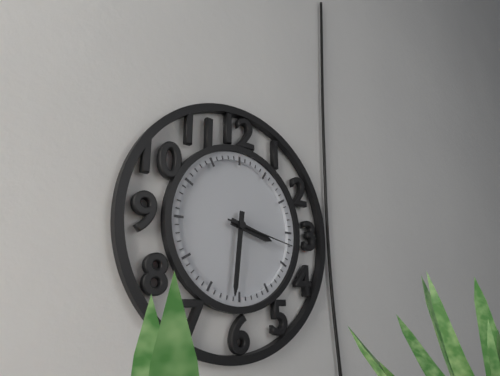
3:31:17
